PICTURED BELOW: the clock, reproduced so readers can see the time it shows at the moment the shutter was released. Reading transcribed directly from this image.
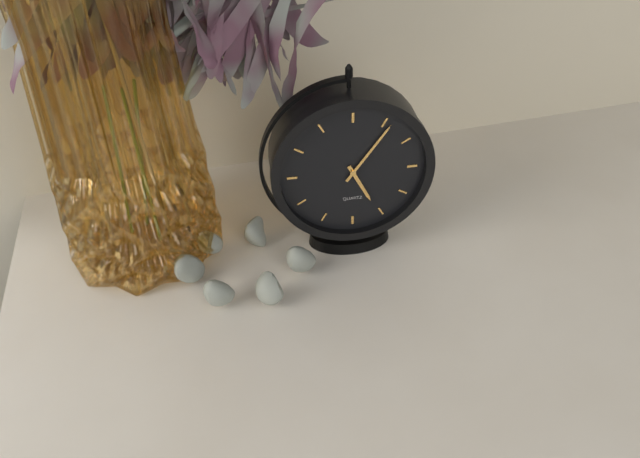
5:06
